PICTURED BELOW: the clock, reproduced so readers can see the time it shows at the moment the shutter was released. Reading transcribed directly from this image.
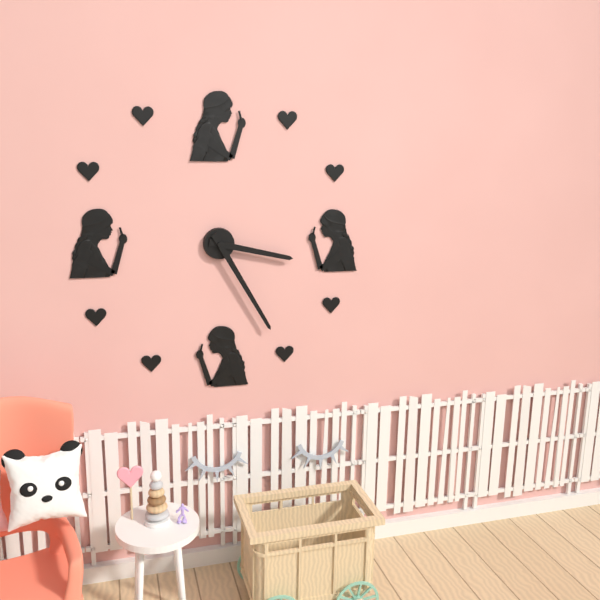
3:25
